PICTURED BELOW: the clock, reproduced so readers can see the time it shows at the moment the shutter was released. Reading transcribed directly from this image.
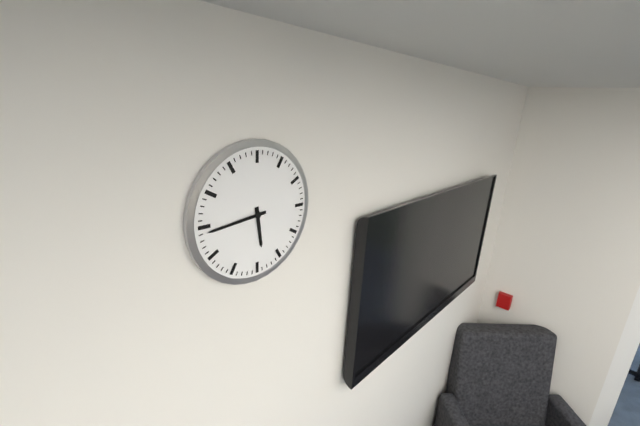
5:44
